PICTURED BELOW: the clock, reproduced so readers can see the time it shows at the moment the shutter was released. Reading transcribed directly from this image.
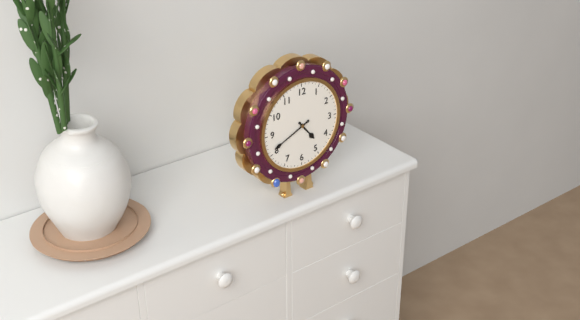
4:41
